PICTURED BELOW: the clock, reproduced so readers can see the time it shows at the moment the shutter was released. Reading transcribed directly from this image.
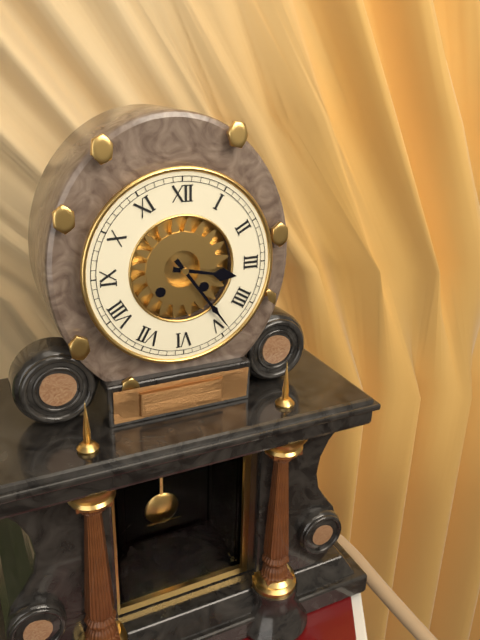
3:24
